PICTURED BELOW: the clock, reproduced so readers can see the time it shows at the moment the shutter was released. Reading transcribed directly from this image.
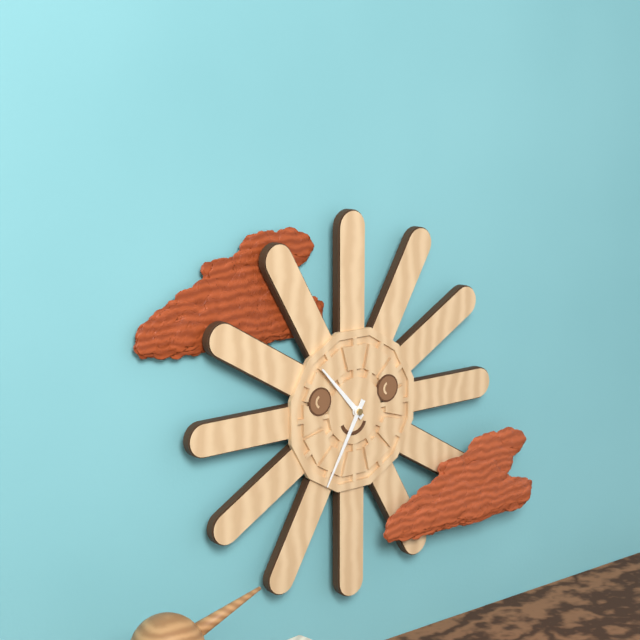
10:35
